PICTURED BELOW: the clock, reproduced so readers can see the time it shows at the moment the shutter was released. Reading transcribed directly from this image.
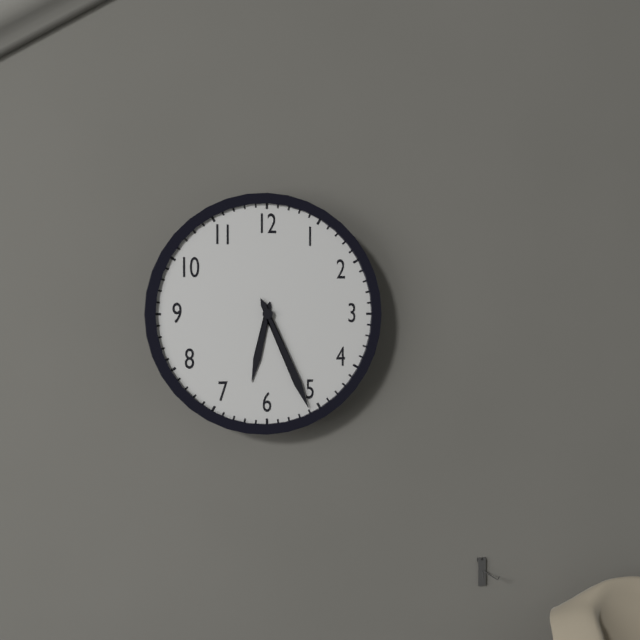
6:26
